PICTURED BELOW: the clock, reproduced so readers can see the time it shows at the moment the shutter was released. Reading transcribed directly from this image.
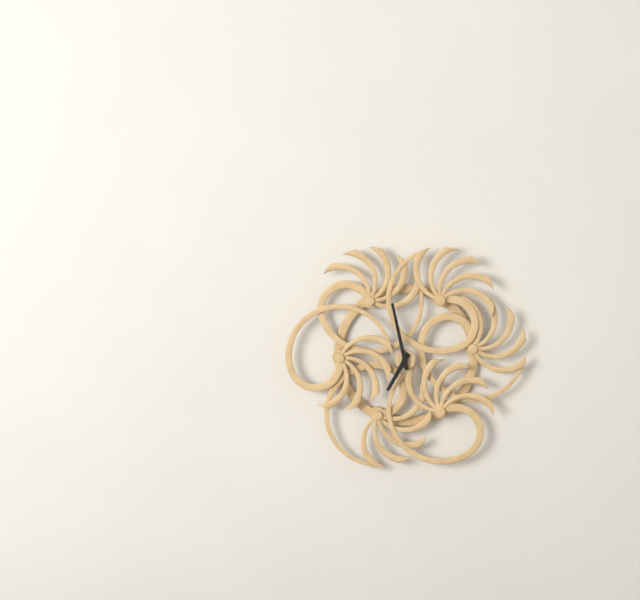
6:58
